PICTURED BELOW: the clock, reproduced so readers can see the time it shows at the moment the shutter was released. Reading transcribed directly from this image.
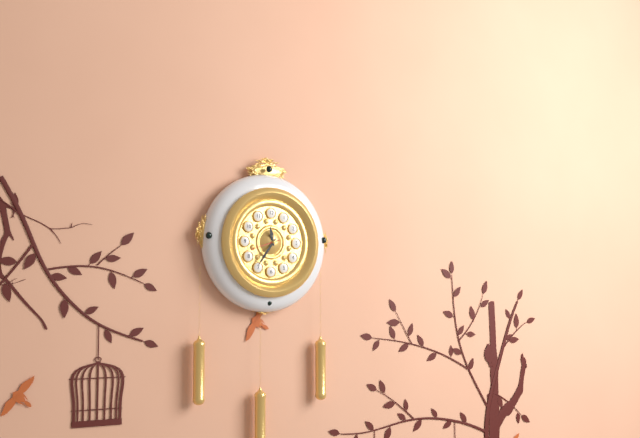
11:36
